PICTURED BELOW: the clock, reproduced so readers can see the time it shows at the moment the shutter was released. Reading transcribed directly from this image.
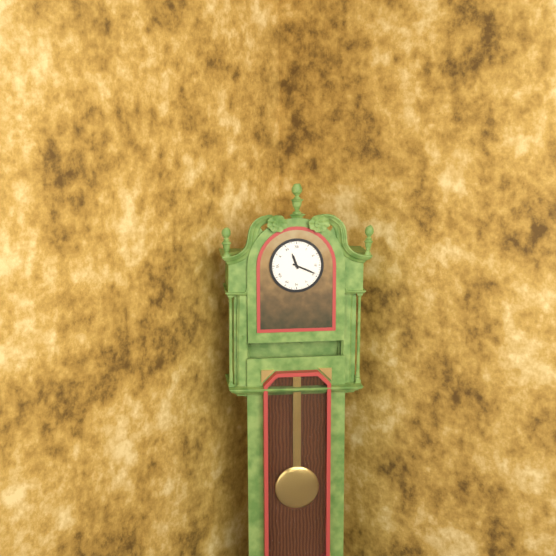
11:19
